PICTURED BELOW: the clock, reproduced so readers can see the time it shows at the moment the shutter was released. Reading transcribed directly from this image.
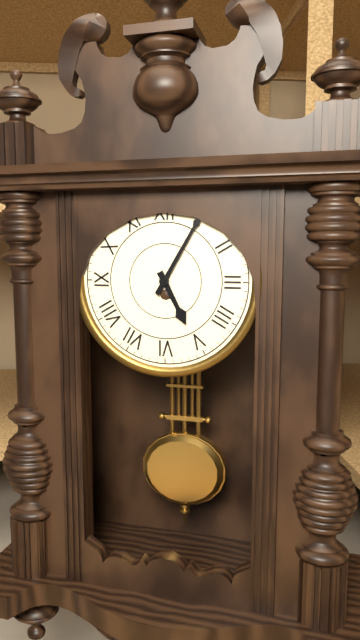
5:05
